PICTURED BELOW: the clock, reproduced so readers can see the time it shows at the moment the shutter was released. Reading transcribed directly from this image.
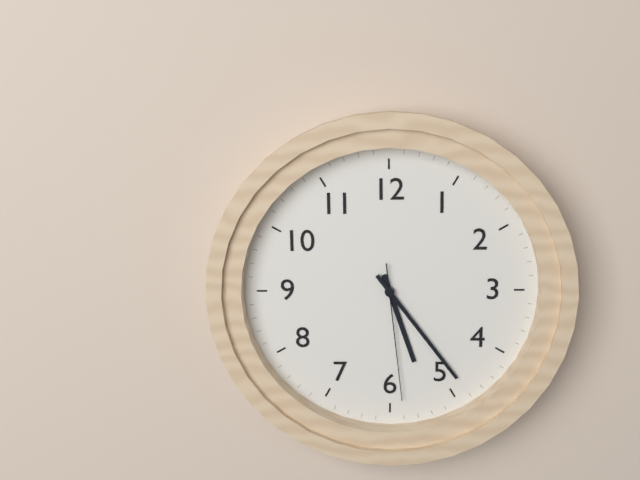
5:24:29
